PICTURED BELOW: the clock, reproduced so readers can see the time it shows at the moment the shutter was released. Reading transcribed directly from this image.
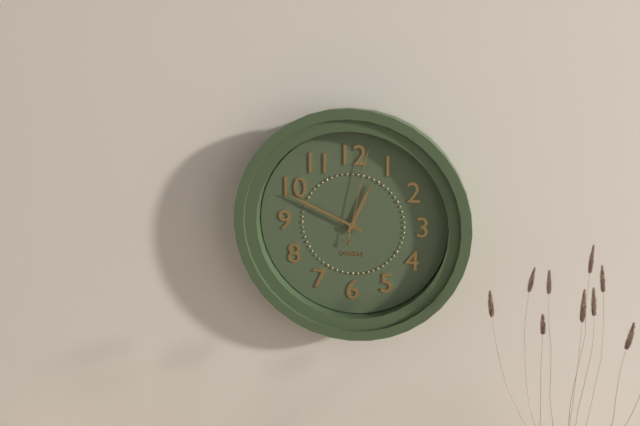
12:49:02
